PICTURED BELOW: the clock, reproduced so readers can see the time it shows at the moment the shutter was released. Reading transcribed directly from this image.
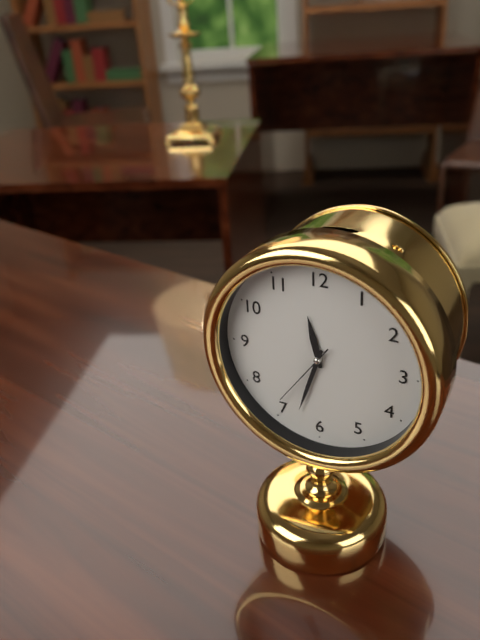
11:33:36
